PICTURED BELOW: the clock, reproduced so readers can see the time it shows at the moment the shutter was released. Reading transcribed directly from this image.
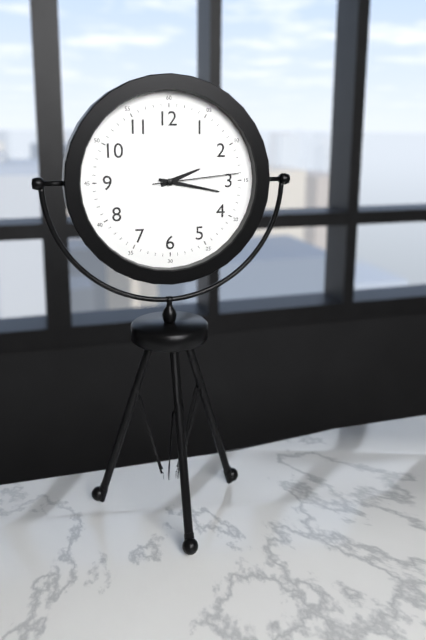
2:17:14
